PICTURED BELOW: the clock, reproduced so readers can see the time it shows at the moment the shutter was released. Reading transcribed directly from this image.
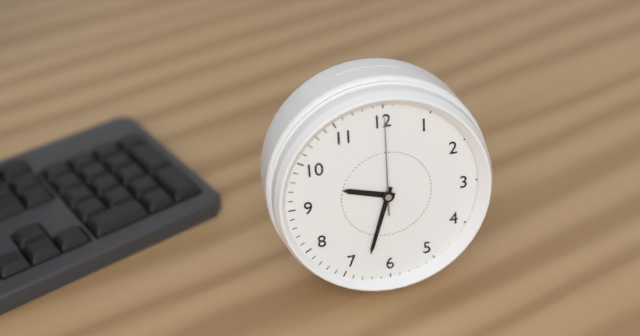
9:33:00
